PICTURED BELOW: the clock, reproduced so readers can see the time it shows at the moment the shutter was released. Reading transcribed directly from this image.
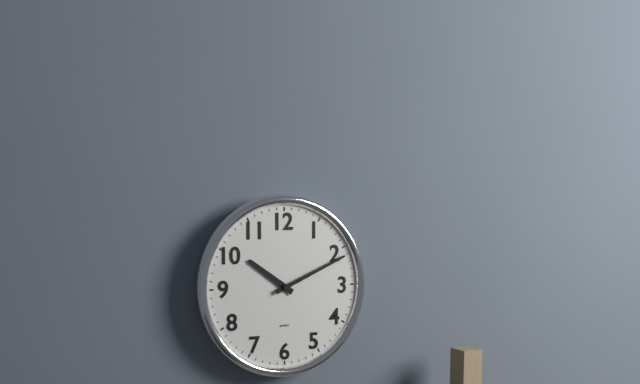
10:11
